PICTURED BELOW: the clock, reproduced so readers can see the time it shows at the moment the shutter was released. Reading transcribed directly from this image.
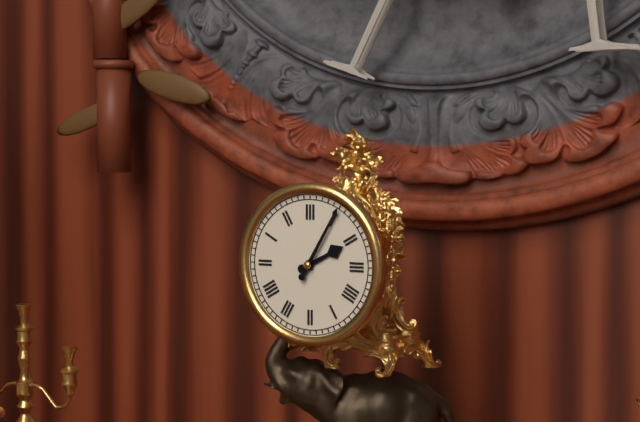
2:05
